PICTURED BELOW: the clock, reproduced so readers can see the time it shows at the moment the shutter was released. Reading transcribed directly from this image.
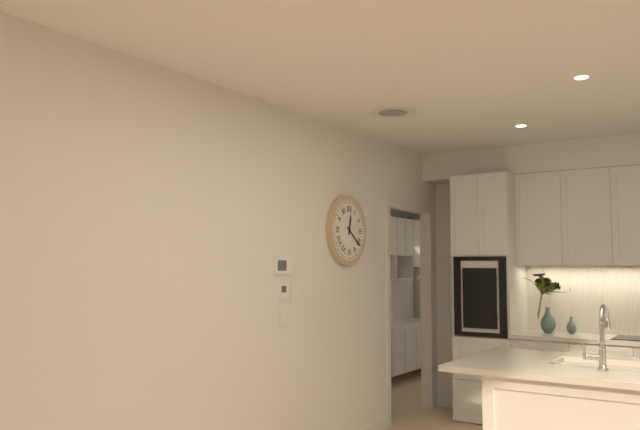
12:21
